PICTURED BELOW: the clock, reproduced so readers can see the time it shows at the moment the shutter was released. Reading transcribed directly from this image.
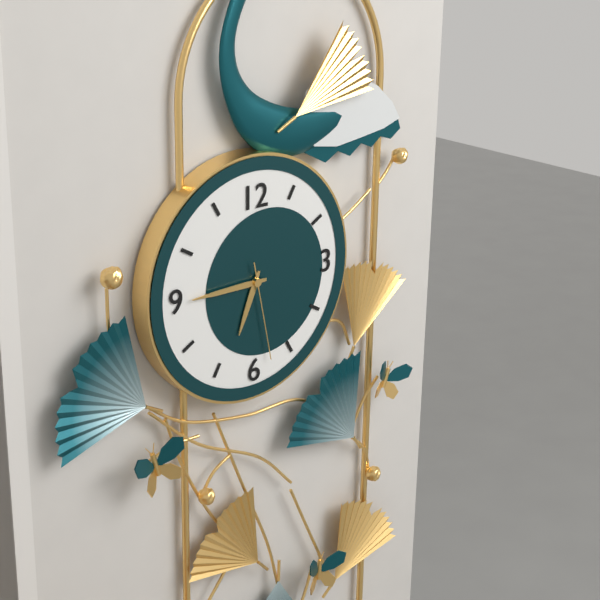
6:45:28
